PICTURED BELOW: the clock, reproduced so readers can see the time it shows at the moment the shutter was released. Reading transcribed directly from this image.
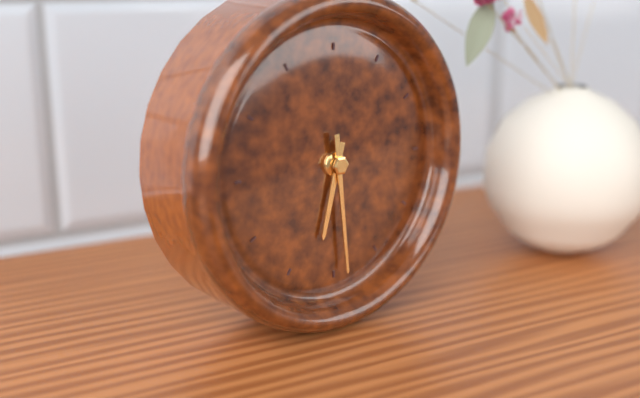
6:29
